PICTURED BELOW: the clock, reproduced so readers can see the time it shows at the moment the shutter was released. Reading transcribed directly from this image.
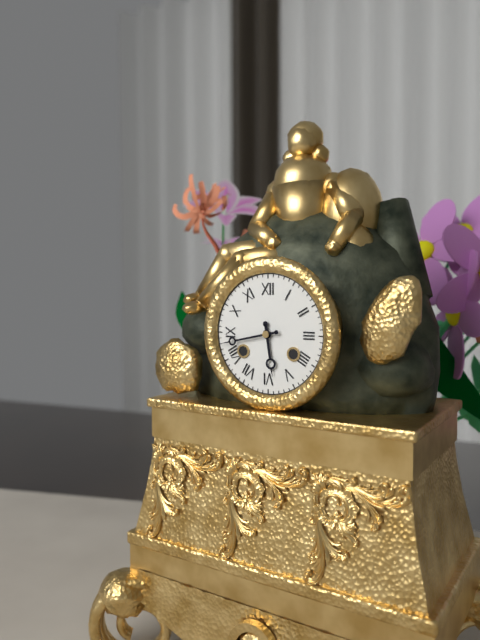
5:43
